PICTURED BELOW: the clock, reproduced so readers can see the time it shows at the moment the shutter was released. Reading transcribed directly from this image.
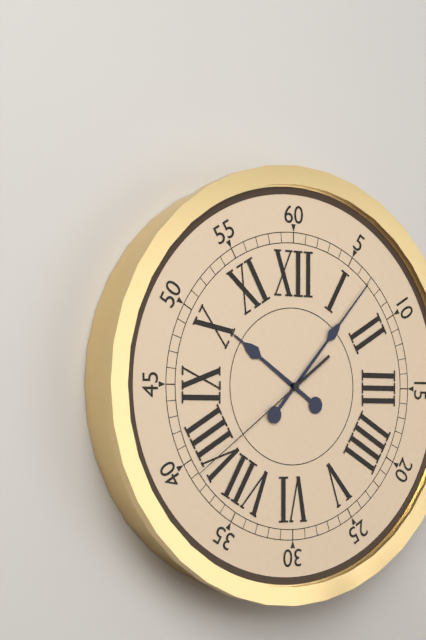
10:07:39
